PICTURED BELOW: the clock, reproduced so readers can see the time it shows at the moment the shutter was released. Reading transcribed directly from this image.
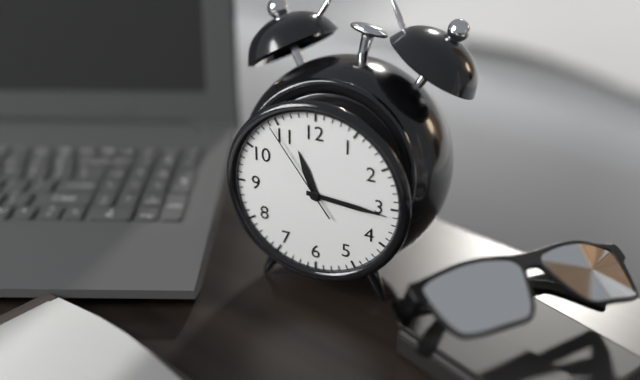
11:16:54
